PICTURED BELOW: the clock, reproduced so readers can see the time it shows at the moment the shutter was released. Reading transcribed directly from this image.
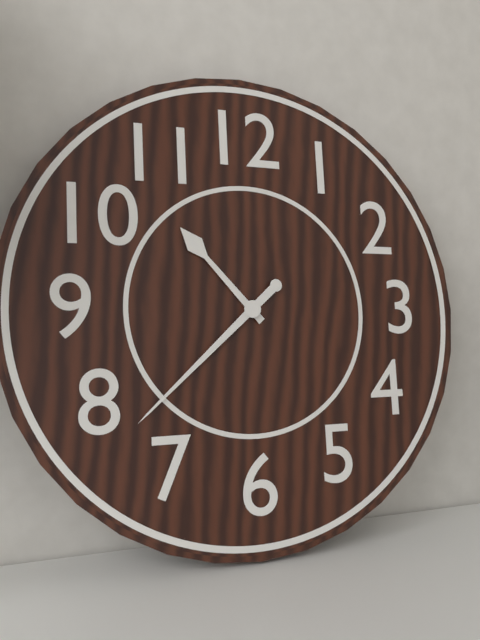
10:38
